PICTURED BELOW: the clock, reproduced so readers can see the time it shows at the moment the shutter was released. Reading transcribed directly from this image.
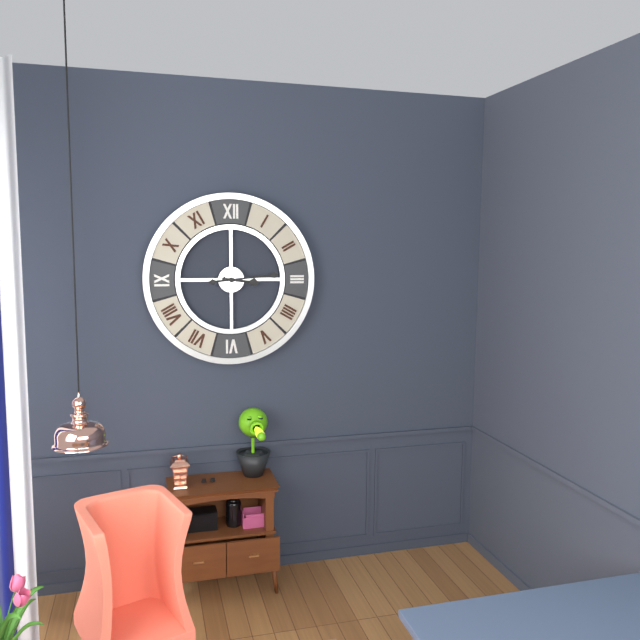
3:14
